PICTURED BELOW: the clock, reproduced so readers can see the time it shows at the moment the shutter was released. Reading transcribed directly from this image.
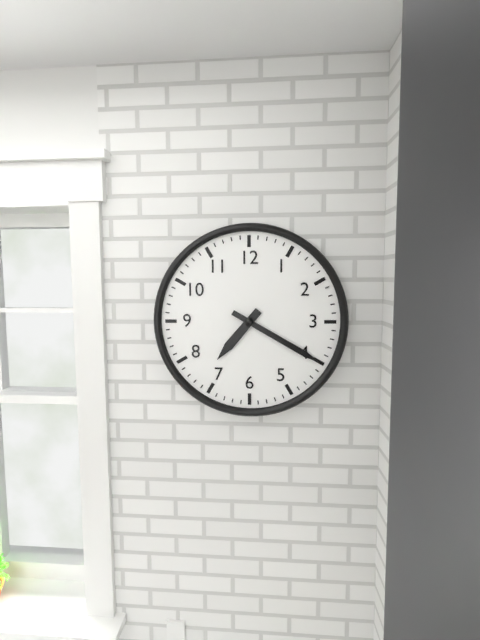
7:20
